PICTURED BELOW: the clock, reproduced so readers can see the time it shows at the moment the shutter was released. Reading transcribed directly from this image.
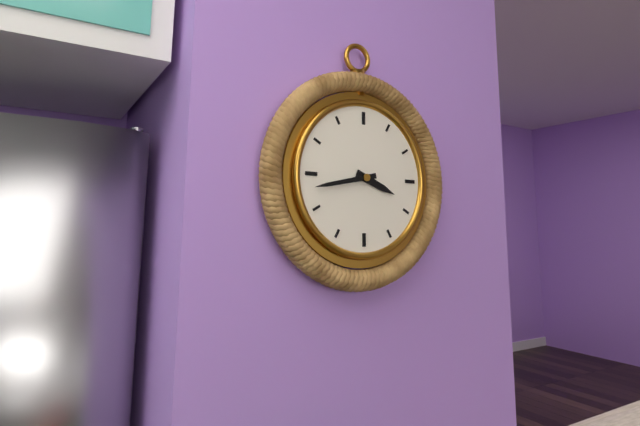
3:43
